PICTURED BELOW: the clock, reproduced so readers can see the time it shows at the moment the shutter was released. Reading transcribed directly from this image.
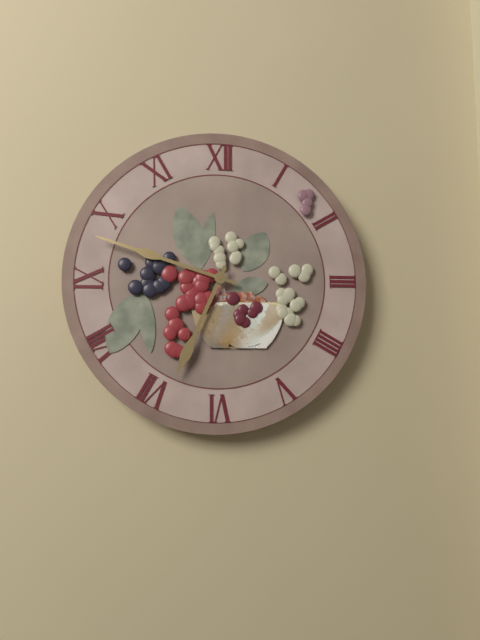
6:48
